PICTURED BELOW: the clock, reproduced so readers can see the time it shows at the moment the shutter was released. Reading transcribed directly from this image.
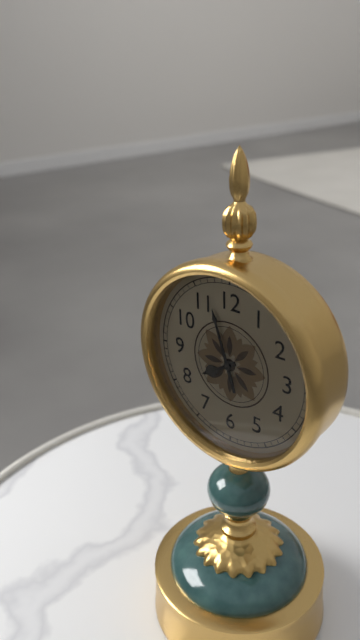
7:57
